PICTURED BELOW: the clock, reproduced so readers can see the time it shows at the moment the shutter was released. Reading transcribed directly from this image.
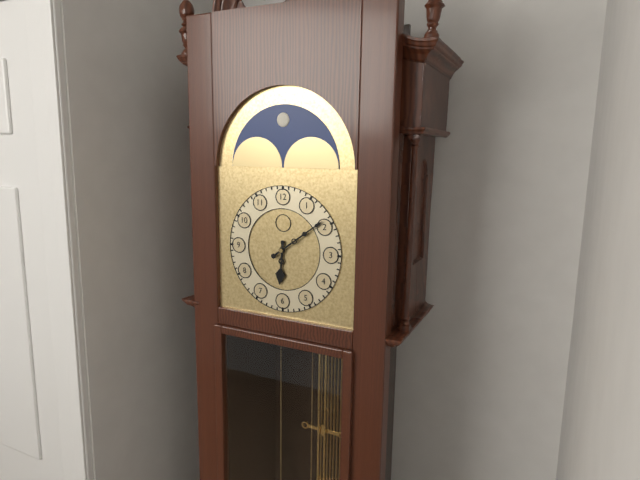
6:09
